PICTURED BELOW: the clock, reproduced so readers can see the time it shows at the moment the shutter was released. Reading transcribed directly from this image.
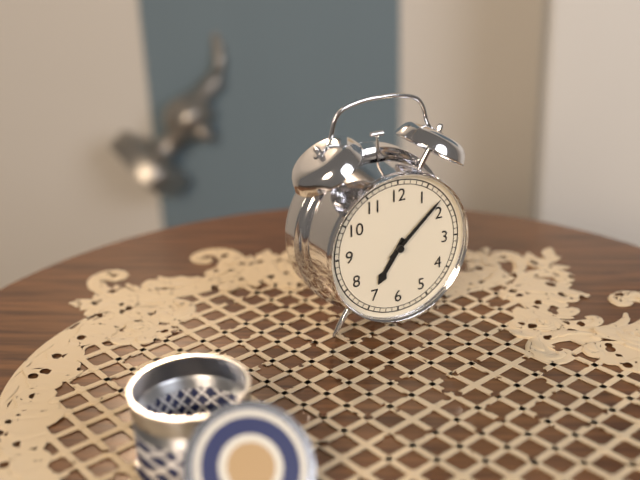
7:08
